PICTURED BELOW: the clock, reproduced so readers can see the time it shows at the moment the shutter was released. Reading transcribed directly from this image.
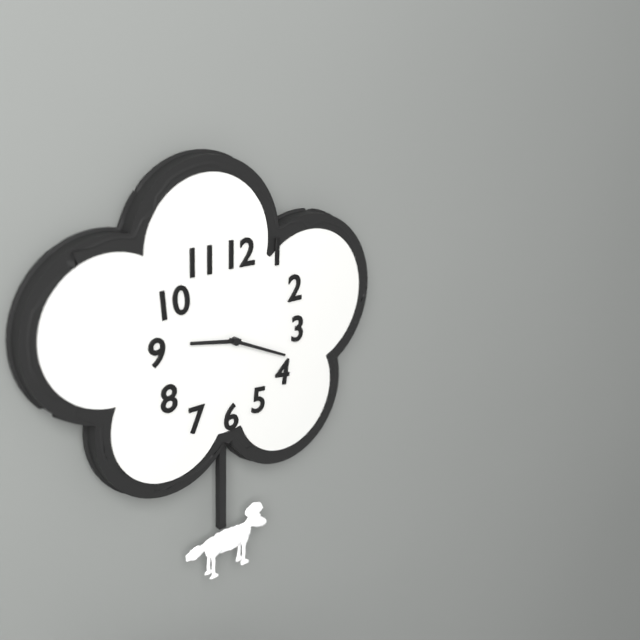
9:19
